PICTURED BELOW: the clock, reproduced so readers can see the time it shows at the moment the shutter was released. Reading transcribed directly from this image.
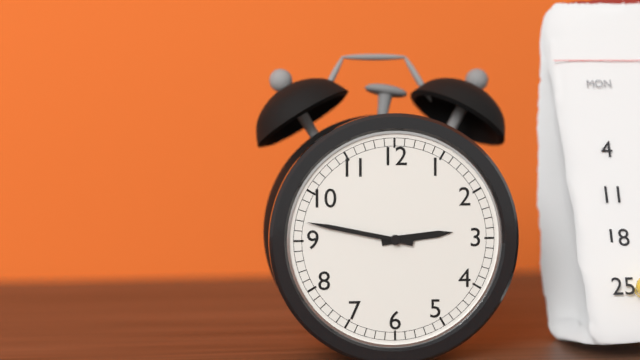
2:47
